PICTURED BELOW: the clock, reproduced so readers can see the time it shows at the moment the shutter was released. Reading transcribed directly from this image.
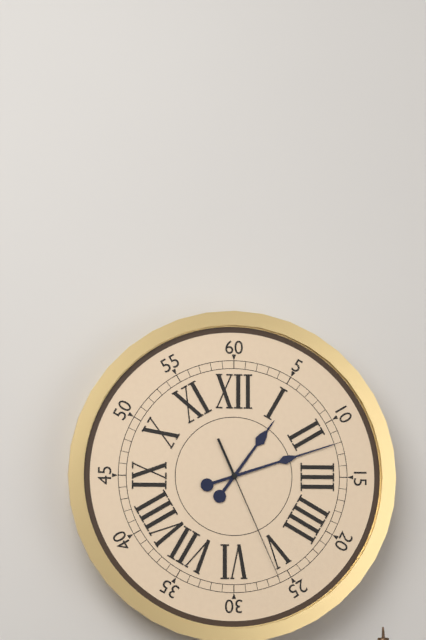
1:12:26
